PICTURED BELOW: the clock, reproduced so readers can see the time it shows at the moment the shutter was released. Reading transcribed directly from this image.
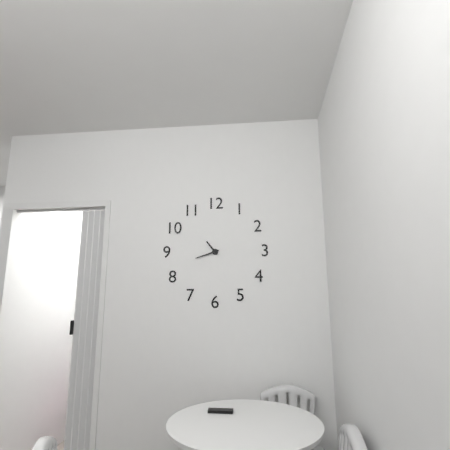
10:42
